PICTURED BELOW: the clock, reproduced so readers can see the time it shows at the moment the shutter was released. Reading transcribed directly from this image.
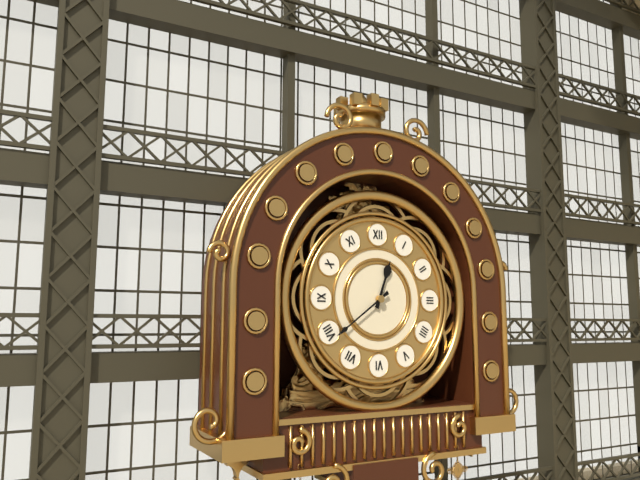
12:39
